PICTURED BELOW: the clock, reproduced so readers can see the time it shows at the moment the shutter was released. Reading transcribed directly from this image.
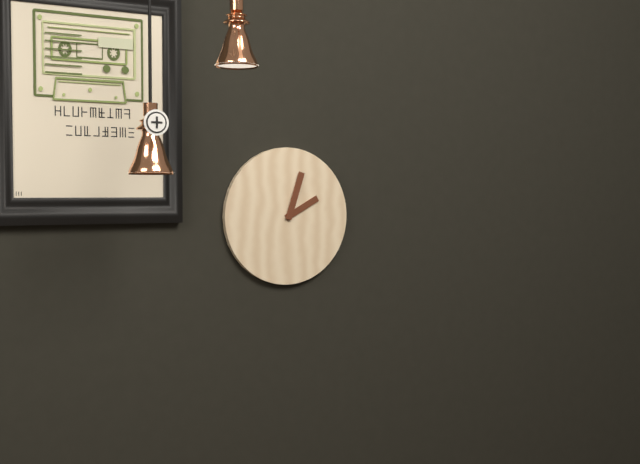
2:03
